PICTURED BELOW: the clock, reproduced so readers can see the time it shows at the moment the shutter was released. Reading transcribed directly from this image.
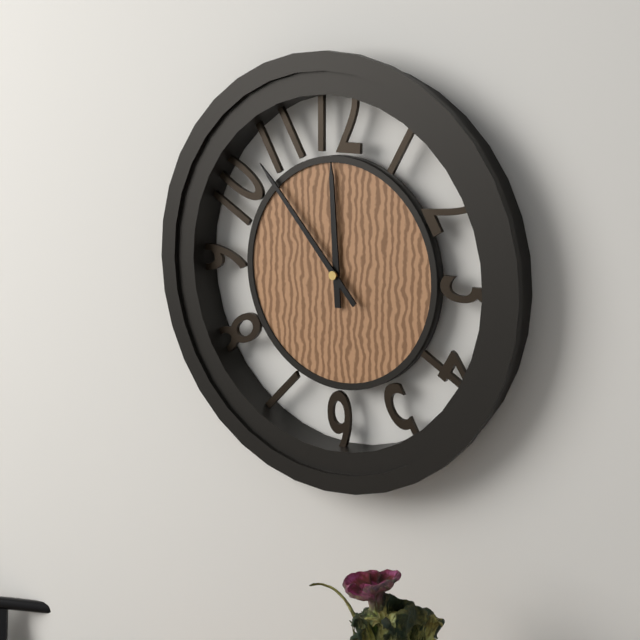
11:53
